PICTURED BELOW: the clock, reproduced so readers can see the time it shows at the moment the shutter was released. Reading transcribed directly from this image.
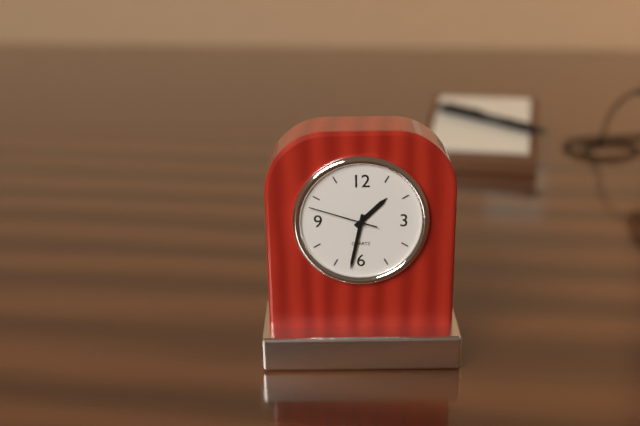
1:32:48
